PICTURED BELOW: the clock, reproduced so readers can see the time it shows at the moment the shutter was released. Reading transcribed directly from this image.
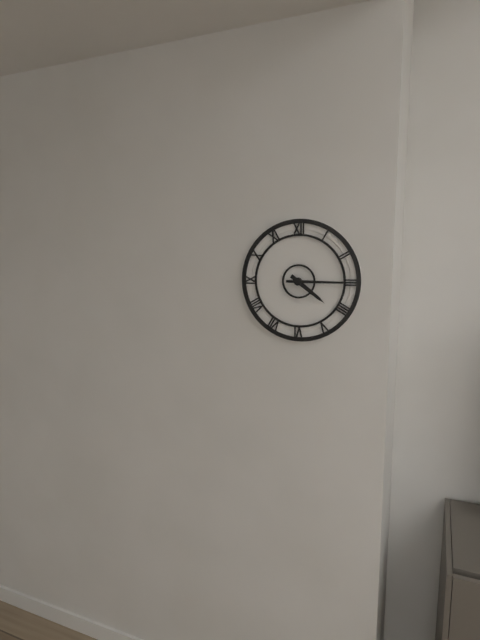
4:15
